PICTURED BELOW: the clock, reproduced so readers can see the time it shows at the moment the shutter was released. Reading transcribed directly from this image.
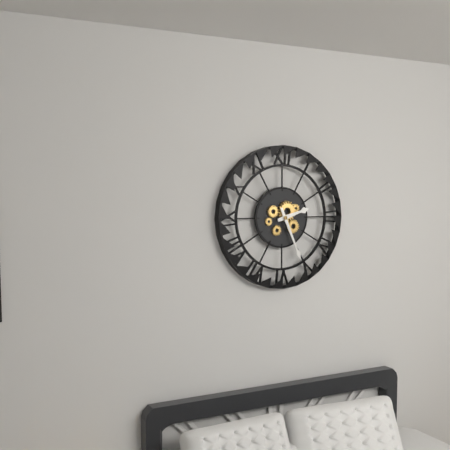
2:26
